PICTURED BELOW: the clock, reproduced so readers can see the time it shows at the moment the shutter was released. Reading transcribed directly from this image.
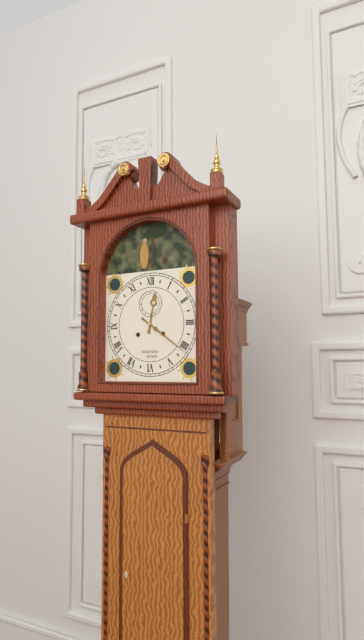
12:21
